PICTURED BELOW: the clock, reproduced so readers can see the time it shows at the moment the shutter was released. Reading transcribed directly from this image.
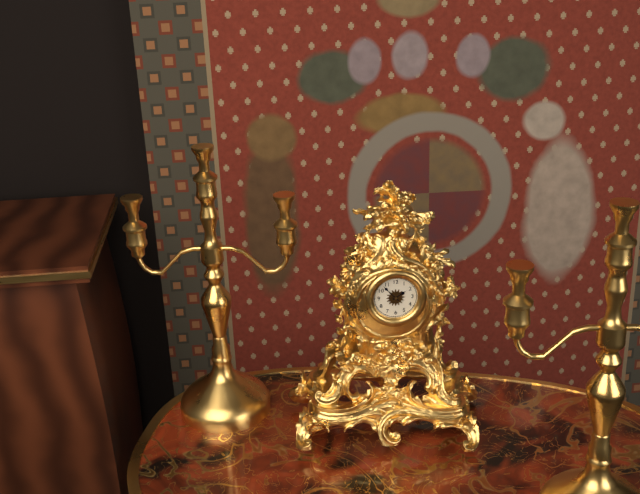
1:53
